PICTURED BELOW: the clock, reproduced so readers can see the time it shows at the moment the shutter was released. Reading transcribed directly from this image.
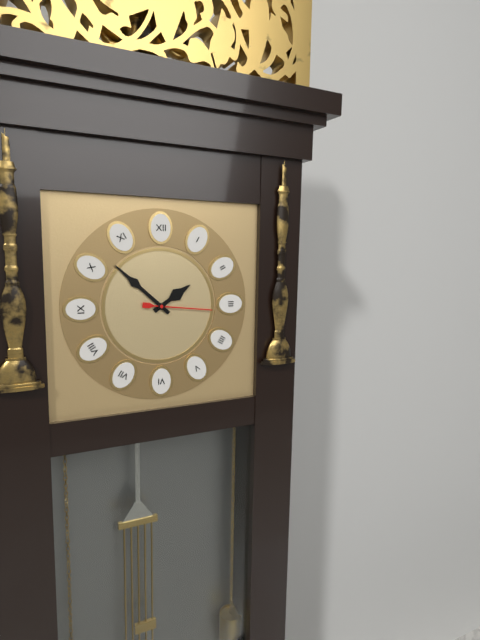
1:52:16
